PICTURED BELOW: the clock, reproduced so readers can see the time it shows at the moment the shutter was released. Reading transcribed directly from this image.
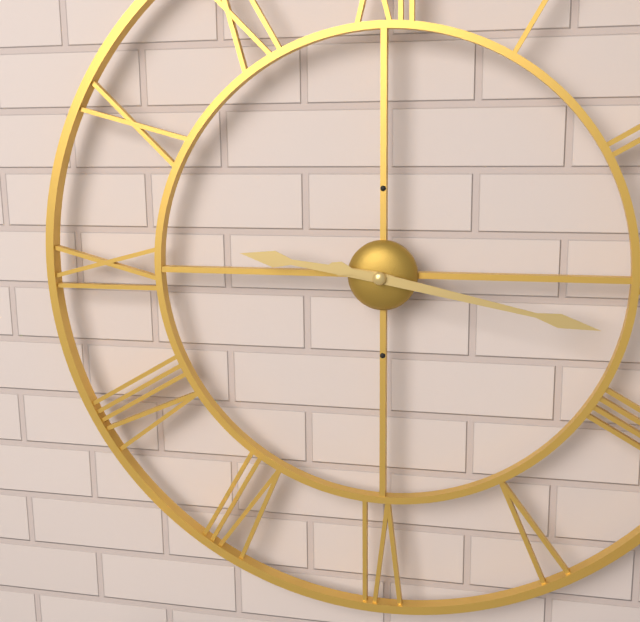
9:17
